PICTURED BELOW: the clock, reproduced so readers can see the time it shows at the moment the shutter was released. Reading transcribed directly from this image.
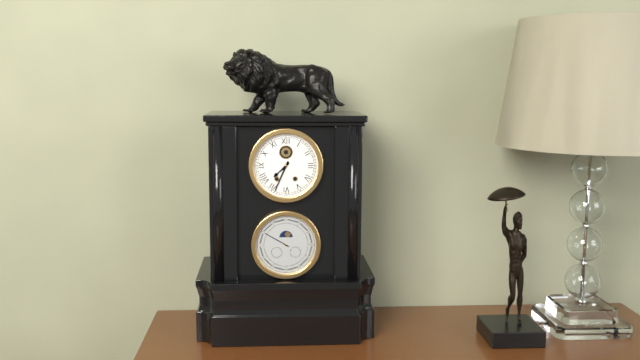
7:34
